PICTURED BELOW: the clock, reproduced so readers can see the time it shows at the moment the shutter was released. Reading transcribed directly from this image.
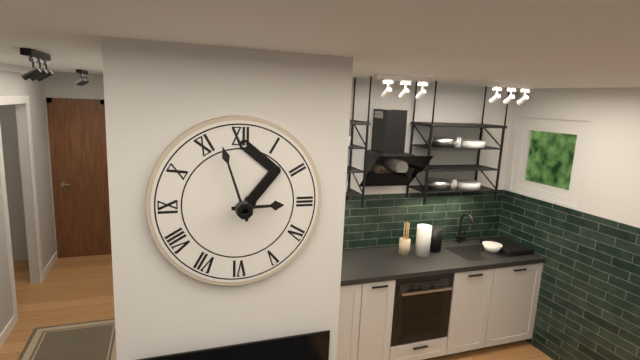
2:57
